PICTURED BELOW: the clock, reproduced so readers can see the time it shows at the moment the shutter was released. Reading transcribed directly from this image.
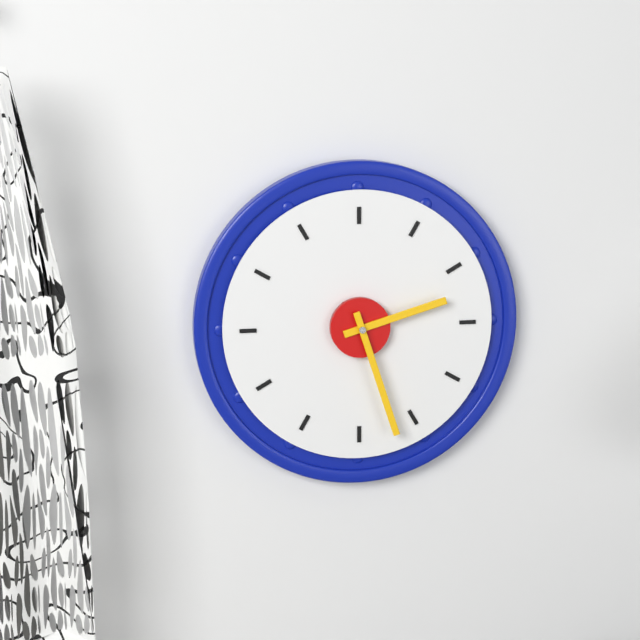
2:27
